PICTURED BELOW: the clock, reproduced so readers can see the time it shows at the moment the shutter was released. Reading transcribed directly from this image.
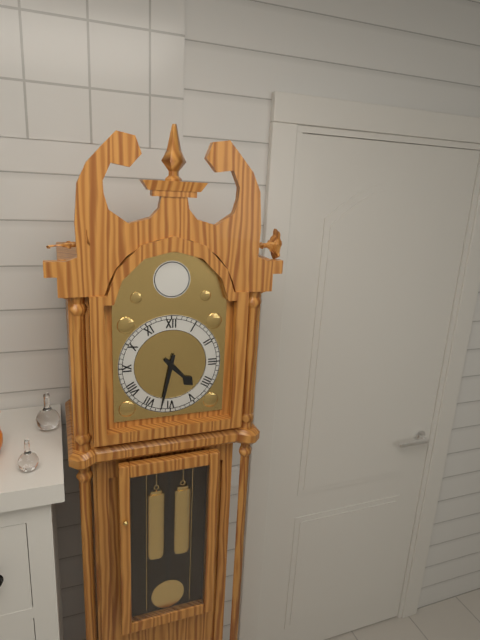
4:32
